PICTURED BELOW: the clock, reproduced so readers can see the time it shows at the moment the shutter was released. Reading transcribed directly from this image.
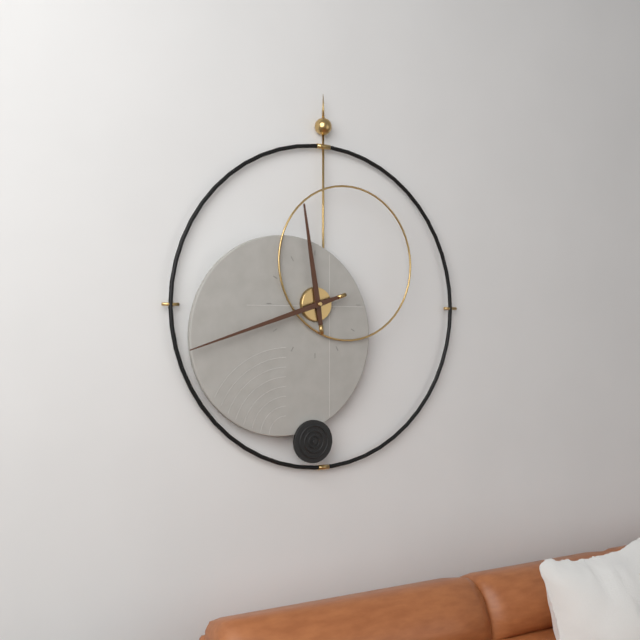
11:42
